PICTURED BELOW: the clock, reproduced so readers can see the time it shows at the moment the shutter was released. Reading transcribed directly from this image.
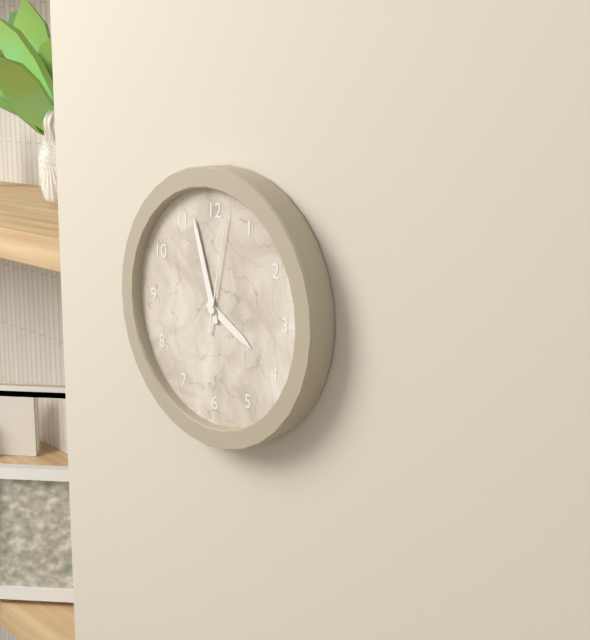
3:57:02
